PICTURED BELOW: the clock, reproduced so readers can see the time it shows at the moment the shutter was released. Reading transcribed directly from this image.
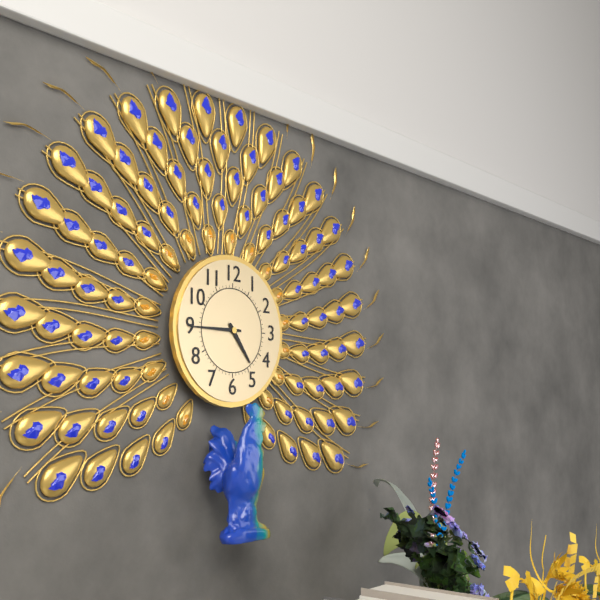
4:45
